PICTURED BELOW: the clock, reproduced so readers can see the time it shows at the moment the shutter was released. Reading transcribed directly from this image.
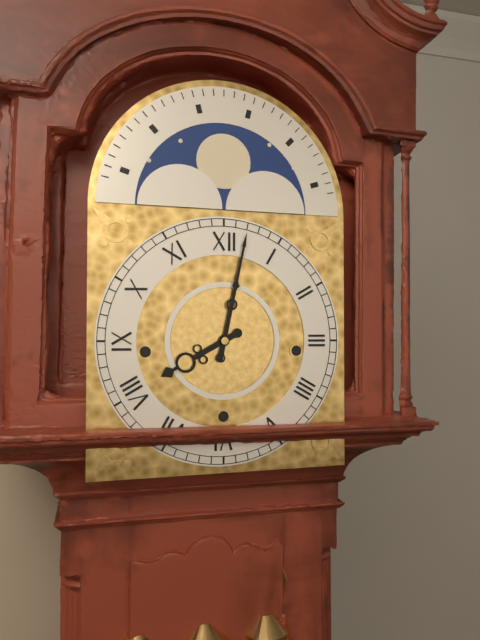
8:02
